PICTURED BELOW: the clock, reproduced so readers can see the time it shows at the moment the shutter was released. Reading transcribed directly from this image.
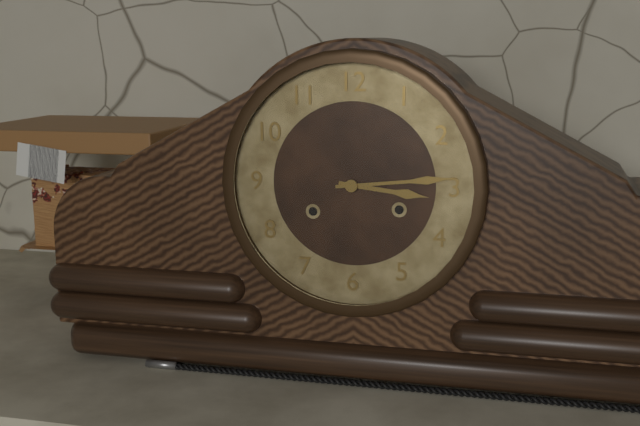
3:14
